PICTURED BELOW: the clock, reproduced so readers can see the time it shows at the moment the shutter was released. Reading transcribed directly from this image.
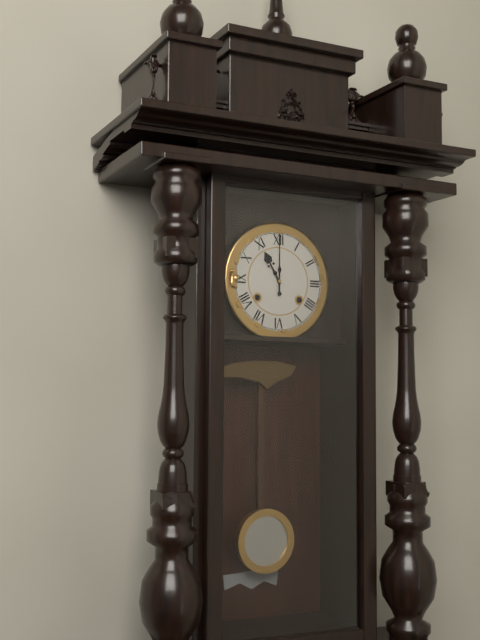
11:00
